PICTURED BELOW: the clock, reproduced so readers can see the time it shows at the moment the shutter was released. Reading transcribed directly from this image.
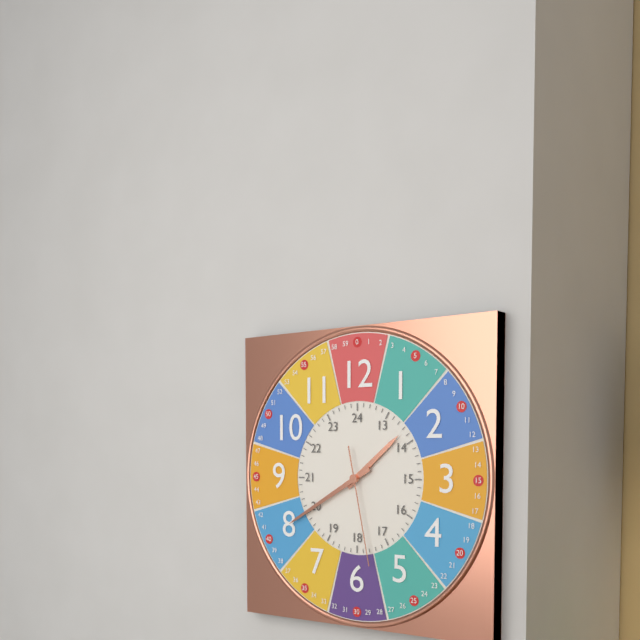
1:40:28
